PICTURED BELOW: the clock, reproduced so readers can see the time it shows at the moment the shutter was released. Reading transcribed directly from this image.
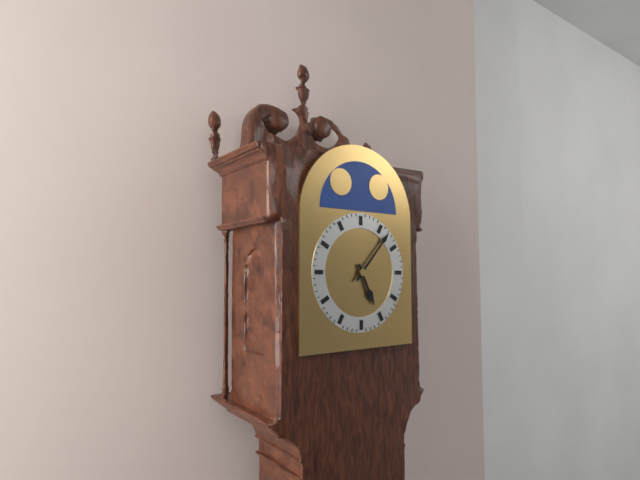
5:07
